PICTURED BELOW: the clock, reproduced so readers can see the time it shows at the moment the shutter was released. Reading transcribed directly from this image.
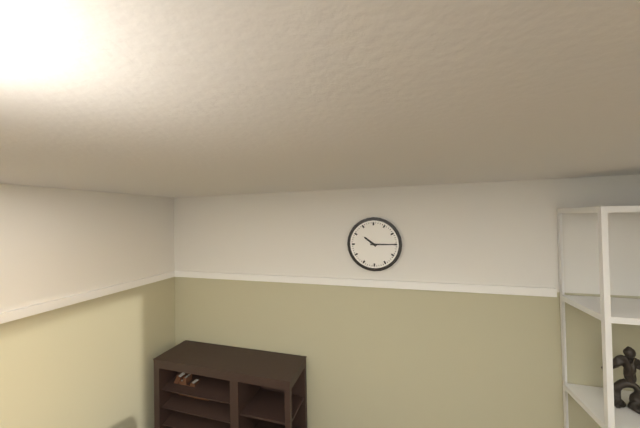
10:15
